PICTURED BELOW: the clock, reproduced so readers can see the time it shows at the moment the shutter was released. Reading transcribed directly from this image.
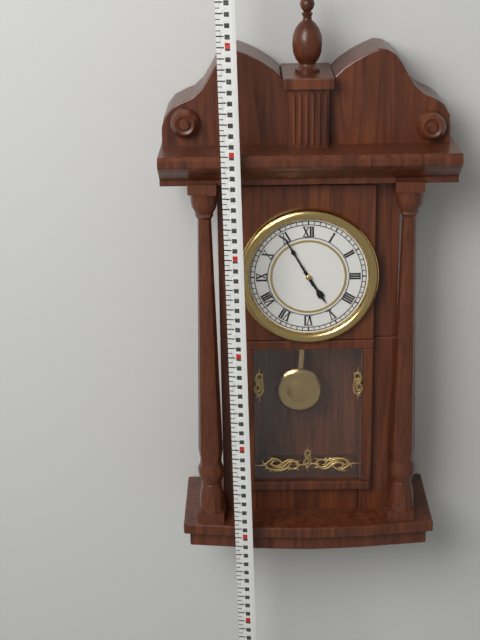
4:55
